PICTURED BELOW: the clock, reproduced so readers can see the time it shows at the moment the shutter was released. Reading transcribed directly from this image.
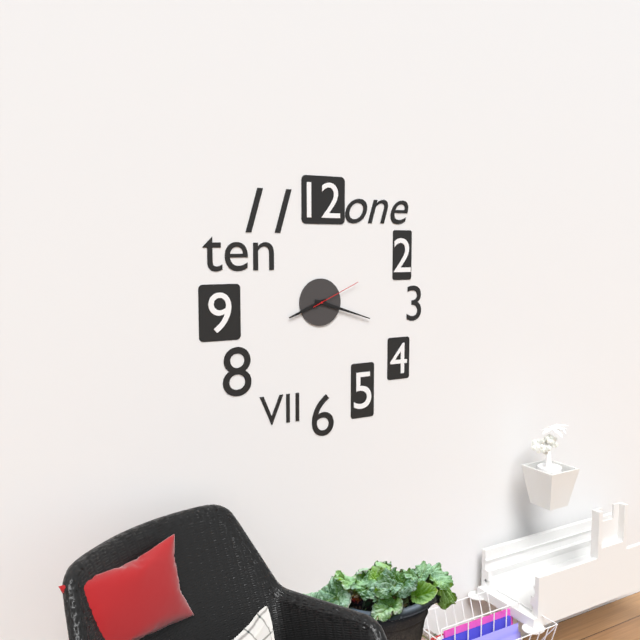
8:18:11
